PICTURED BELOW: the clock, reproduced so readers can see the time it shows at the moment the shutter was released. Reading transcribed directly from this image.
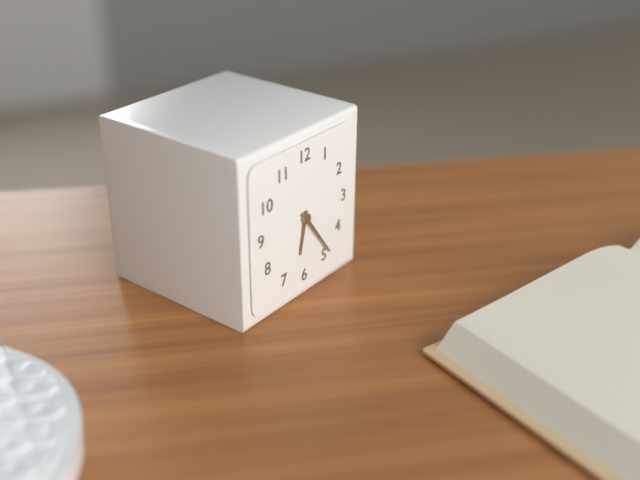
6:24
